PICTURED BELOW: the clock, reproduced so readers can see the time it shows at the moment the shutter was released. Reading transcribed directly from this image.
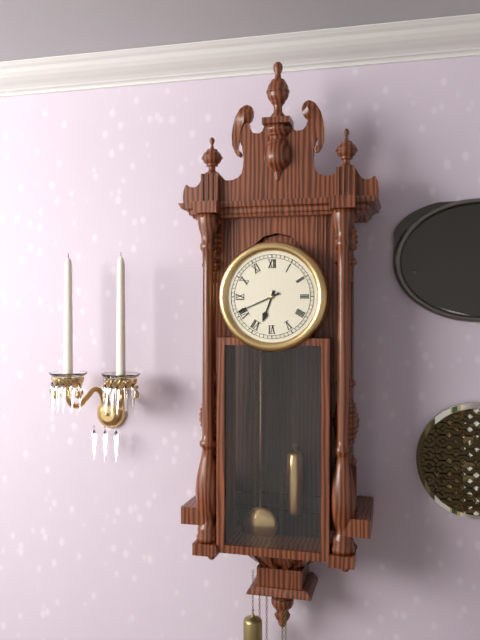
6:41
